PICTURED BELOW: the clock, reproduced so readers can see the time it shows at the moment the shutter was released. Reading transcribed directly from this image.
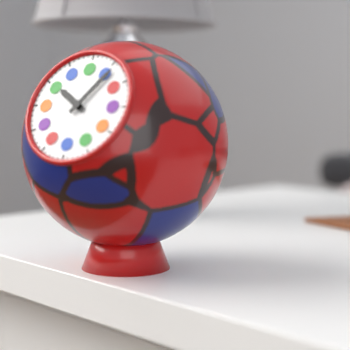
10:06
